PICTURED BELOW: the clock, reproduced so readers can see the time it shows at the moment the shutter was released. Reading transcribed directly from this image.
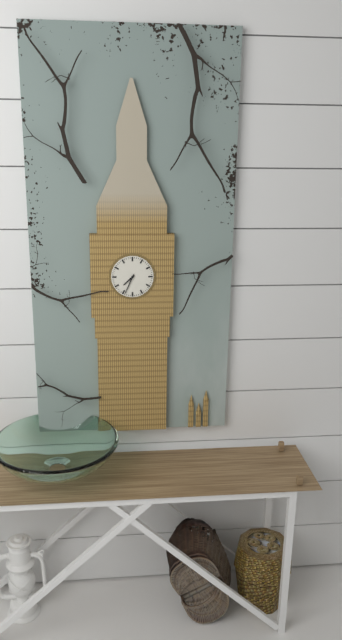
7:34
